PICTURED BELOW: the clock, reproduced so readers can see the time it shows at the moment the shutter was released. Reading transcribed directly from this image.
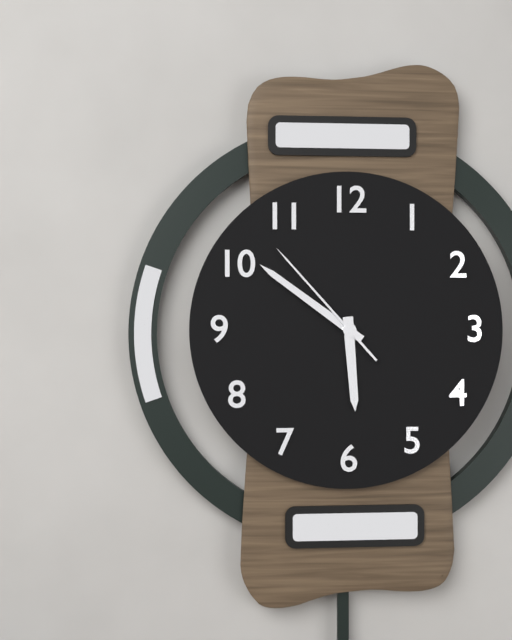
5:51:53
